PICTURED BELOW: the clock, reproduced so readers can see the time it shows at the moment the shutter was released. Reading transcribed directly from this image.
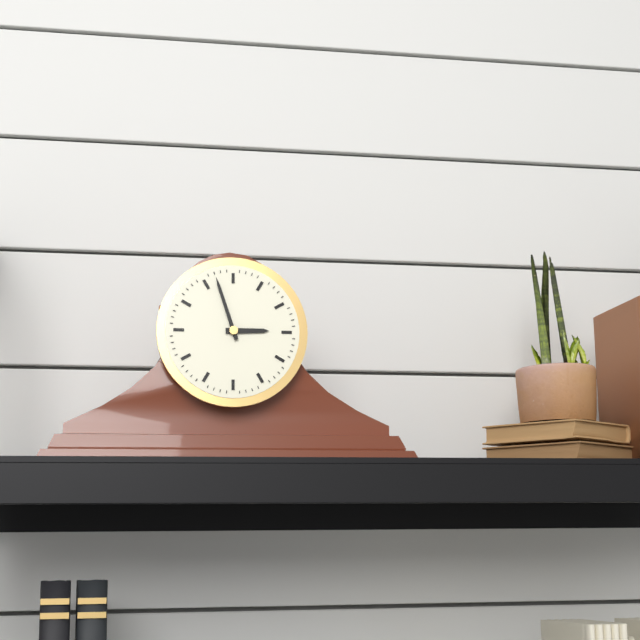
2:57
